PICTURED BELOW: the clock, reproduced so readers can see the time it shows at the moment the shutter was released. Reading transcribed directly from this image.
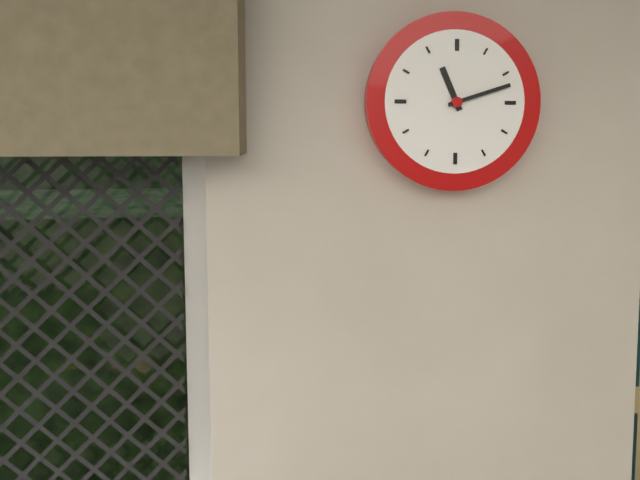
11:12
